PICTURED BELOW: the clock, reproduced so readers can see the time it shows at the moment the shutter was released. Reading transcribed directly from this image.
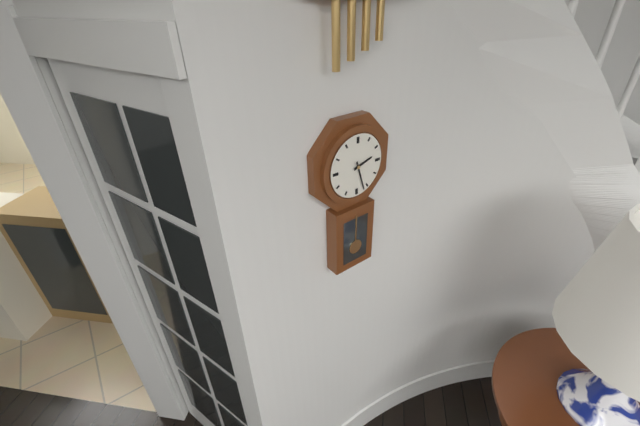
2:27
